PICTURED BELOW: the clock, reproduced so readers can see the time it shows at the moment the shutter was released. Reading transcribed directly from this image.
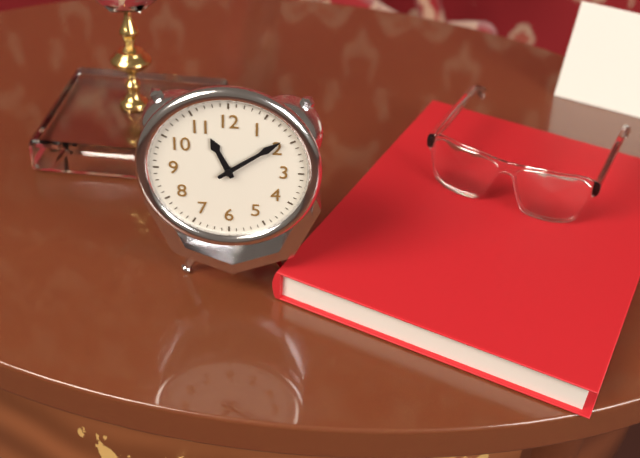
11:09
